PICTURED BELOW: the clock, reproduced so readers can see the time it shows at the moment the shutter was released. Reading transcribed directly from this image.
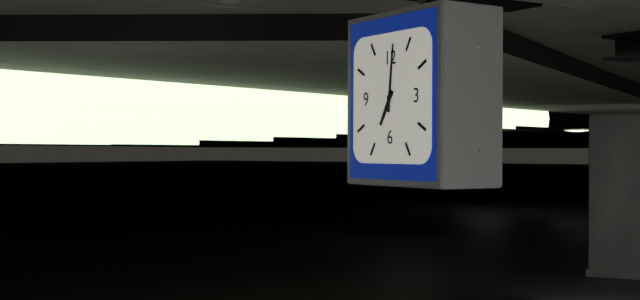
7:01
